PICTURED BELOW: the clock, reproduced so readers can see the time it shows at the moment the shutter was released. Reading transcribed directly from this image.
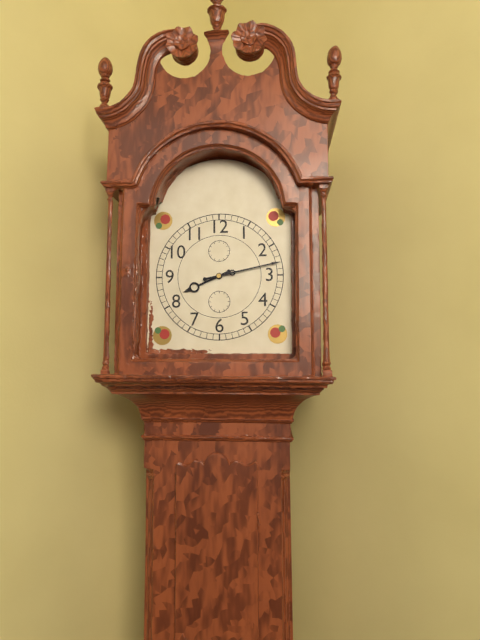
8:13
